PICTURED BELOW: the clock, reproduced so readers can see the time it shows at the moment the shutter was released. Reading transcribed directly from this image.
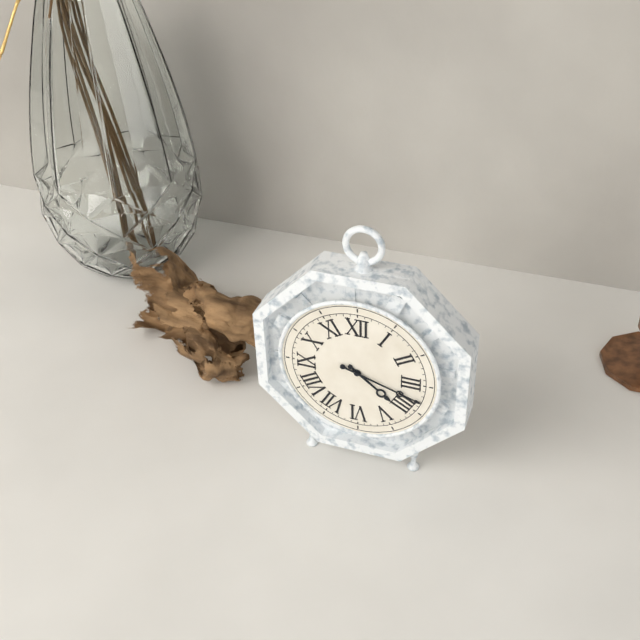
4:18
